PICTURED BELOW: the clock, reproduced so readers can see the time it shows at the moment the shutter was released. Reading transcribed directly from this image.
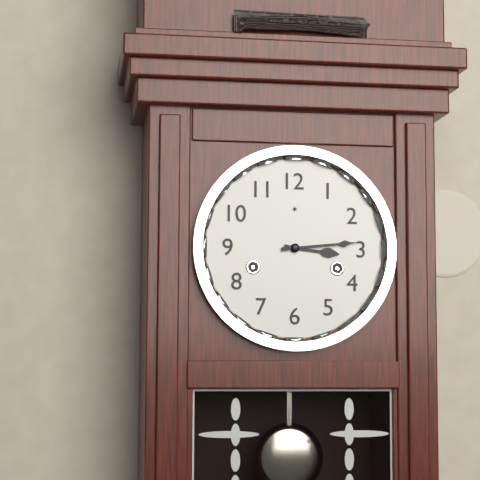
3:14
